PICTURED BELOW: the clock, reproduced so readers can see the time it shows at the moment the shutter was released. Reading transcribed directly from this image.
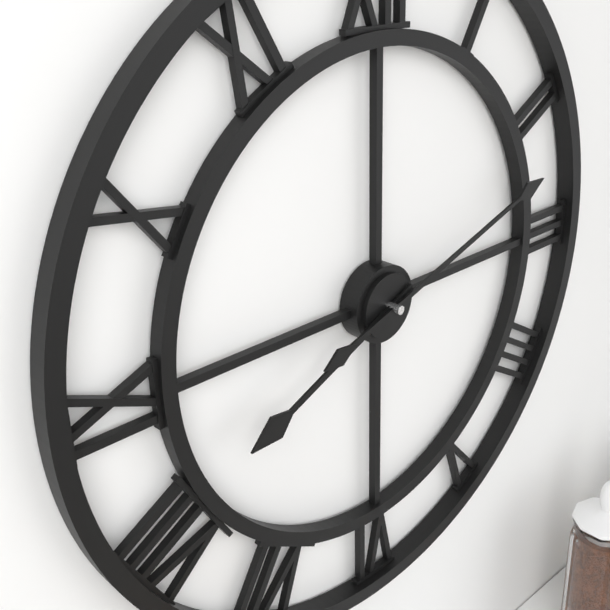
8:12
